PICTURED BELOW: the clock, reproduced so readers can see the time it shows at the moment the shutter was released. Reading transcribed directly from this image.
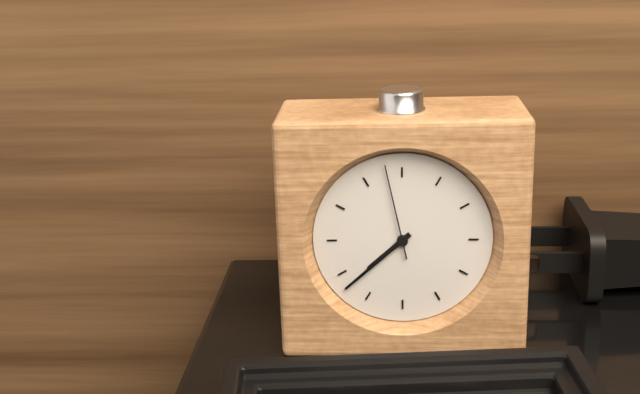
7:38:58
